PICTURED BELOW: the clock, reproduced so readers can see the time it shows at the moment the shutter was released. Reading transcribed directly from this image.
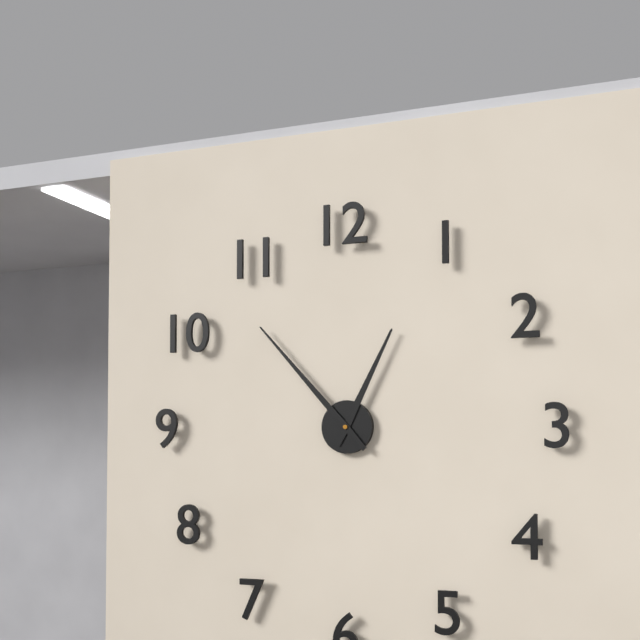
12:53
